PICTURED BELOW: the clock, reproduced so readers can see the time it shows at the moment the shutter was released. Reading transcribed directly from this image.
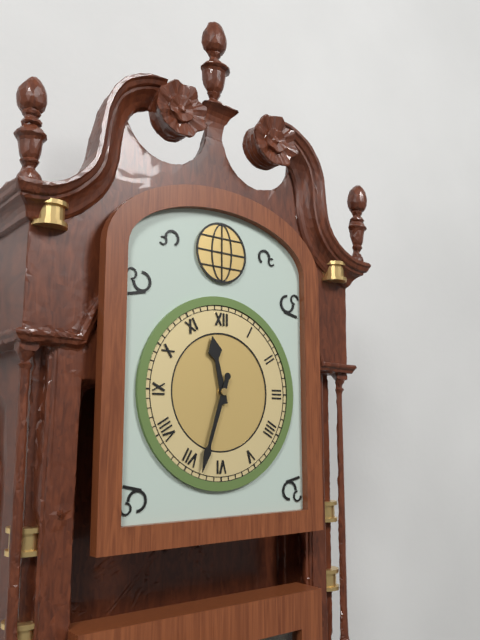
11:33
